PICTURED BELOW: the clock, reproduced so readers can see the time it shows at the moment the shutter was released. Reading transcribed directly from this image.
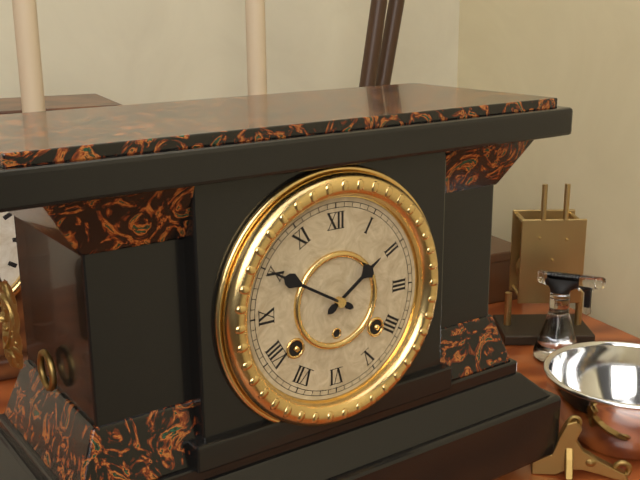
1:50
